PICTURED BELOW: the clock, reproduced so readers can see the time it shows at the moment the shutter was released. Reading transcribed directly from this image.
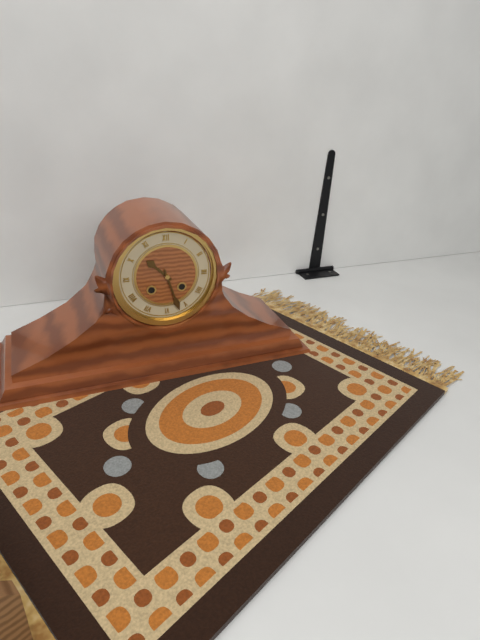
10:27
